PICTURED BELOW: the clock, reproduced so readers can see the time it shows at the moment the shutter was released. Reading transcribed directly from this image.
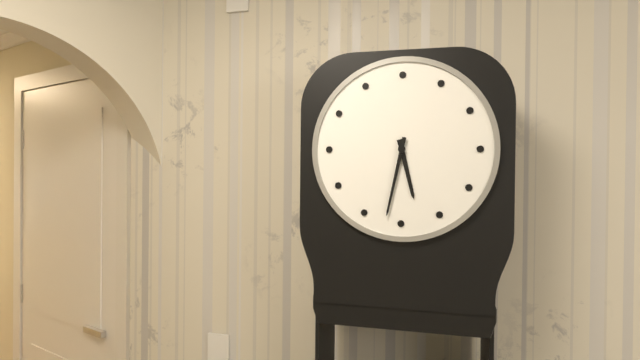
5:32
